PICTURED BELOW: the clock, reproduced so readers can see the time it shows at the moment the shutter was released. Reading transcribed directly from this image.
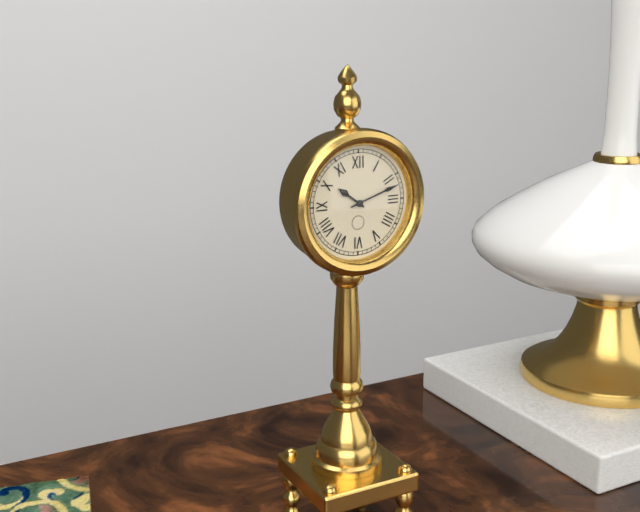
10:12
